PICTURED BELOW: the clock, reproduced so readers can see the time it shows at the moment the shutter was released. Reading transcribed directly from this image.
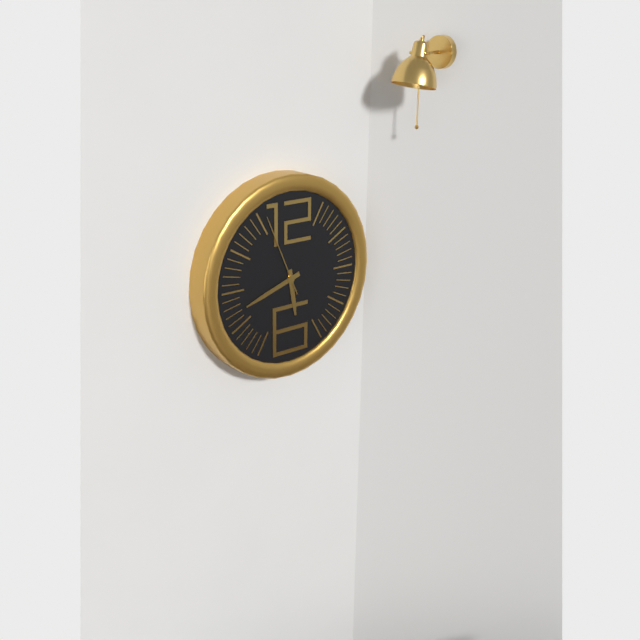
5:42:56
